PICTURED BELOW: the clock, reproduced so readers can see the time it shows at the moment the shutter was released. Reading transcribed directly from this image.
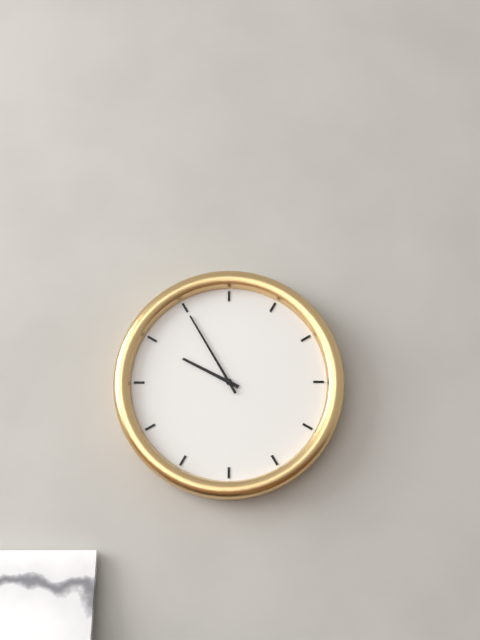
9:55
